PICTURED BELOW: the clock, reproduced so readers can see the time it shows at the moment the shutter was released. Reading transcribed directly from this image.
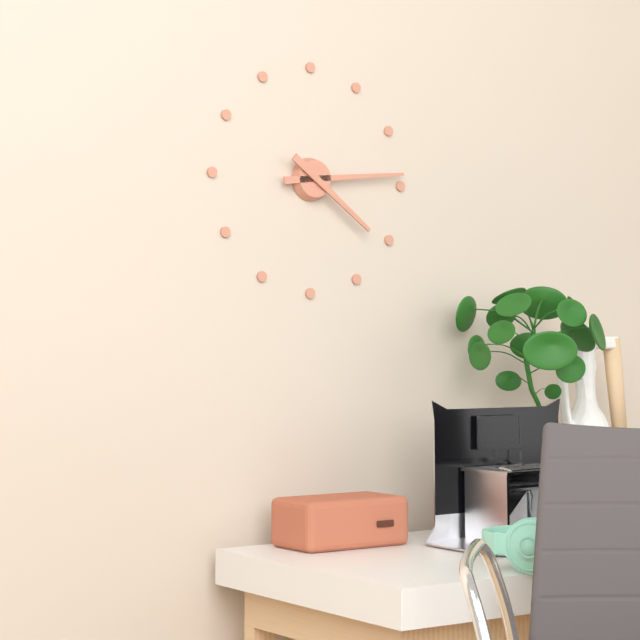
4:14
